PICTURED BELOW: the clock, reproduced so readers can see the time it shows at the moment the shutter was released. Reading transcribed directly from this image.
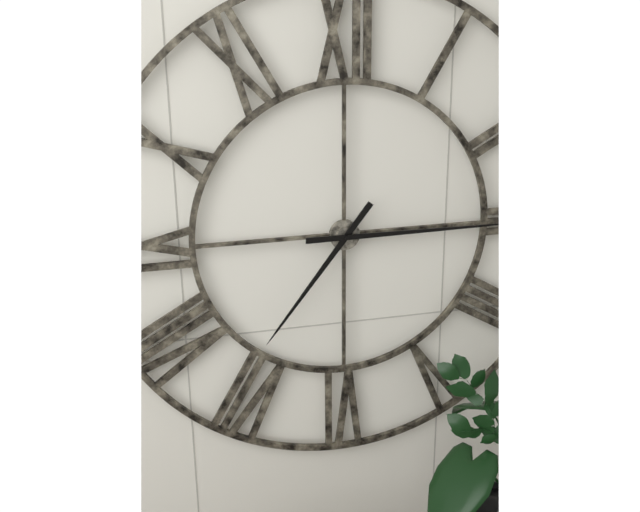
7:15
